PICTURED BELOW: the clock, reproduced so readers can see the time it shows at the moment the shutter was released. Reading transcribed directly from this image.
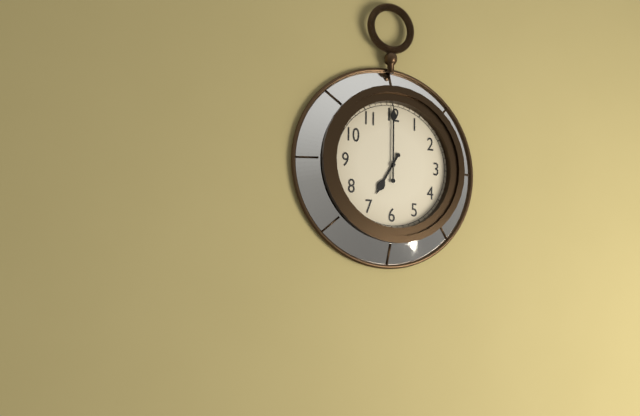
7:00
